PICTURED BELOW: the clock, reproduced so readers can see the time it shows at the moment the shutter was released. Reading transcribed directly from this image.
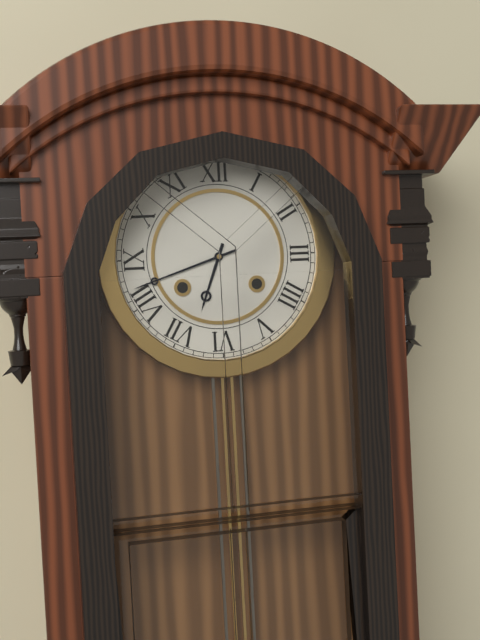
6:42
